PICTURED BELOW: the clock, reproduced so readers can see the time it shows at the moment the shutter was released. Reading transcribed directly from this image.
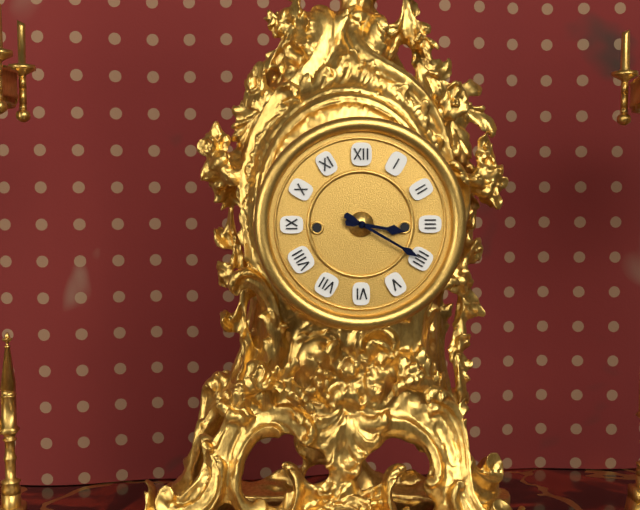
3:20
